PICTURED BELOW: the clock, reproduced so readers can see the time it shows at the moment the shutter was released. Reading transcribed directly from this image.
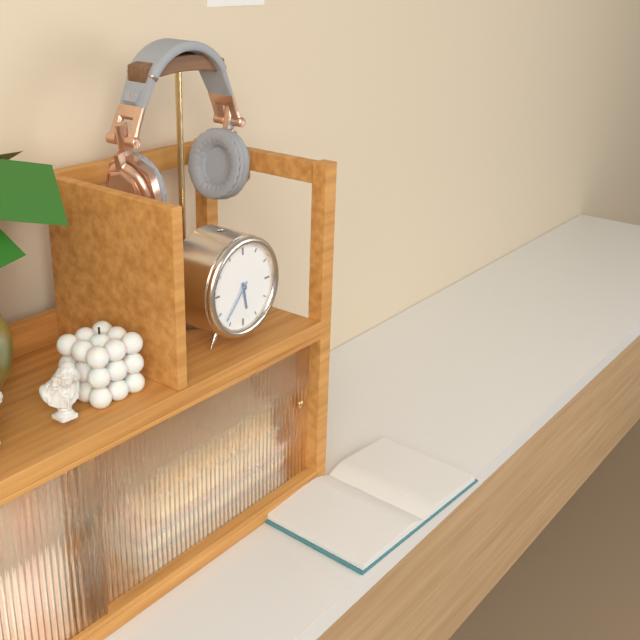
5:37
